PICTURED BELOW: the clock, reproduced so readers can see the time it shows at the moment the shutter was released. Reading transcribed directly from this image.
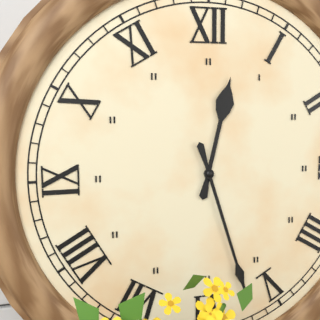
12:27
